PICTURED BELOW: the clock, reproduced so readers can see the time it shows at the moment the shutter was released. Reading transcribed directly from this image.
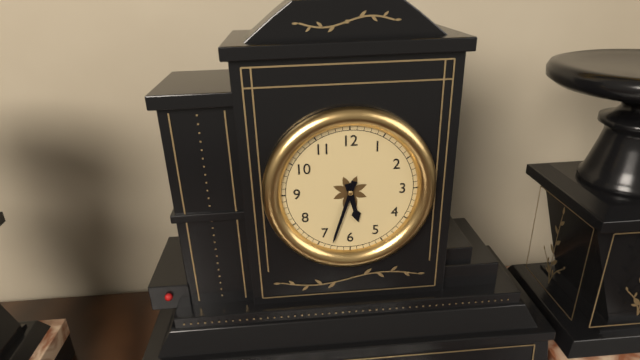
5:33
